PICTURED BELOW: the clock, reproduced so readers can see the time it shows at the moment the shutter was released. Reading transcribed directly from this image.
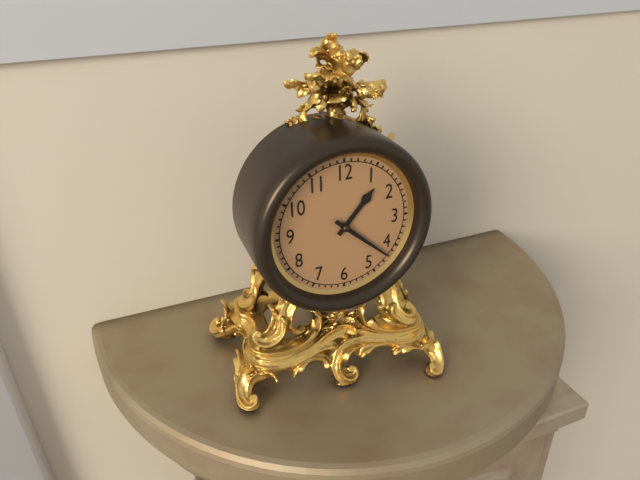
1:22
